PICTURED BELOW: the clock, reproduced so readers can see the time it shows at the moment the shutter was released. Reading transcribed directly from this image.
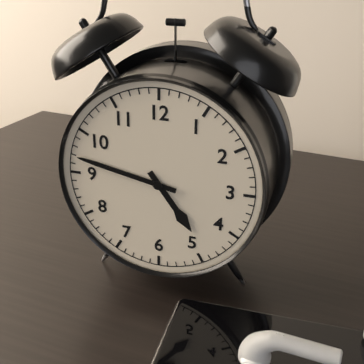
4:47
